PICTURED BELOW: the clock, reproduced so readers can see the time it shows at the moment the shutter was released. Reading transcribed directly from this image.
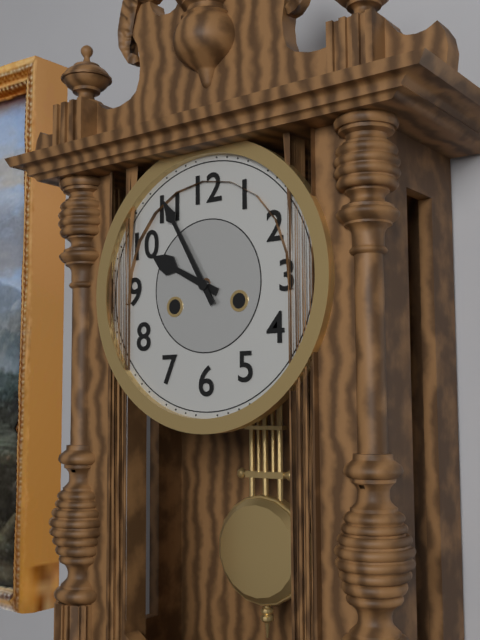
9:55
